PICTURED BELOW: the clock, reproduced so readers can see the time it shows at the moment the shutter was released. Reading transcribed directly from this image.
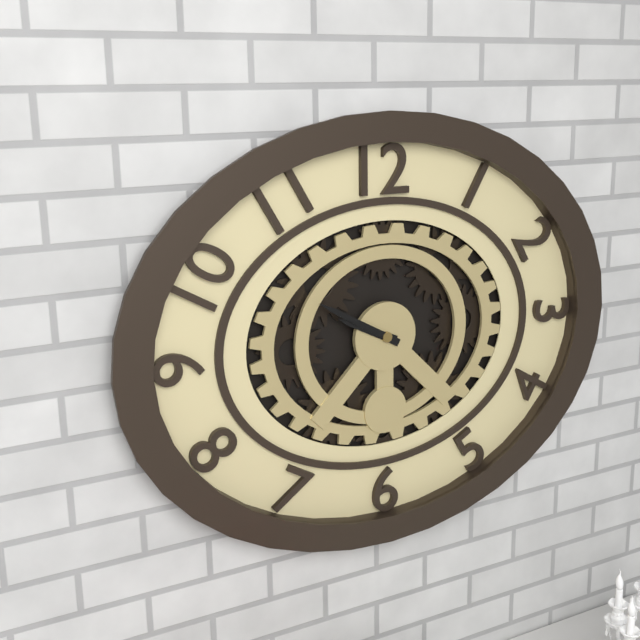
9:50
